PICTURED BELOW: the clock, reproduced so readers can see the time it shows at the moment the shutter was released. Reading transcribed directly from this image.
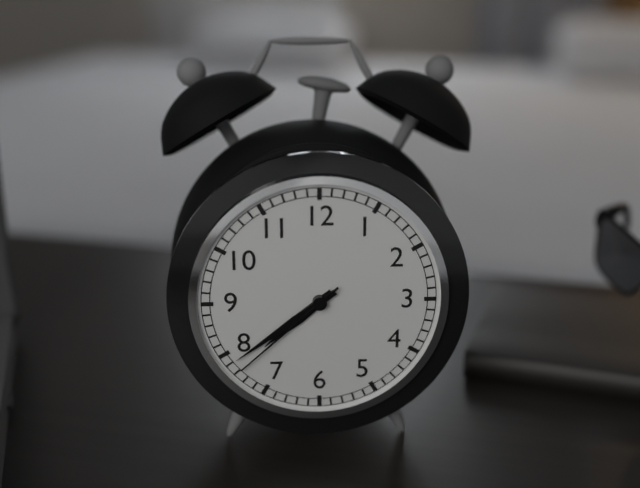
7:39:38
